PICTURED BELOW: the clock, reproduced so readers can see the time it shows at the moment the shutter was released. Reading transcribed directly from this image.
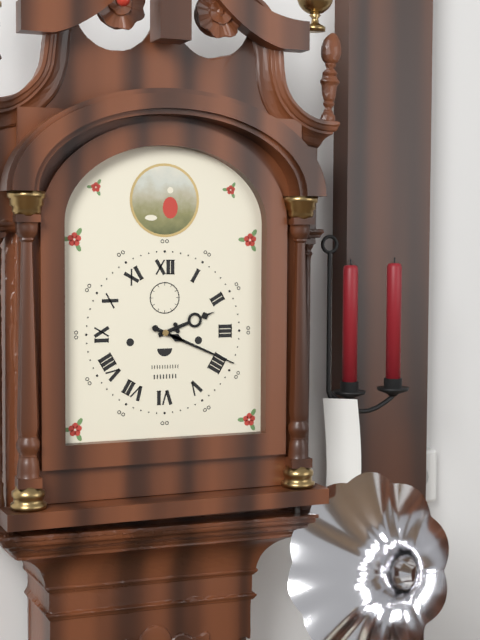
2:19
